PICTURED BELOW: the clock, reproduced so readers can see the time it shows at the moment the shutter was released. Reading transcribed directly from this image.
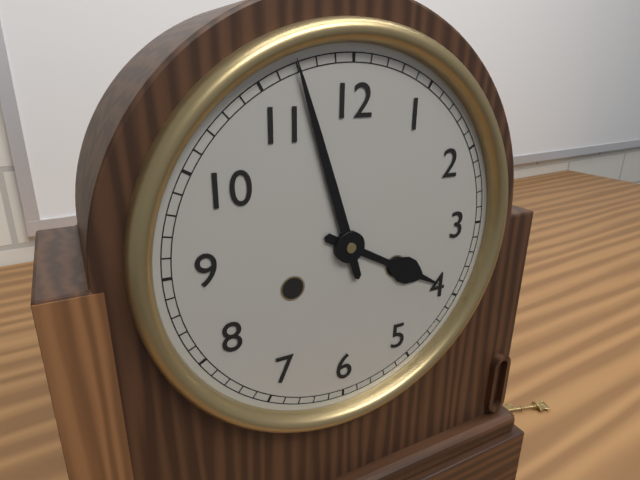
3:57
